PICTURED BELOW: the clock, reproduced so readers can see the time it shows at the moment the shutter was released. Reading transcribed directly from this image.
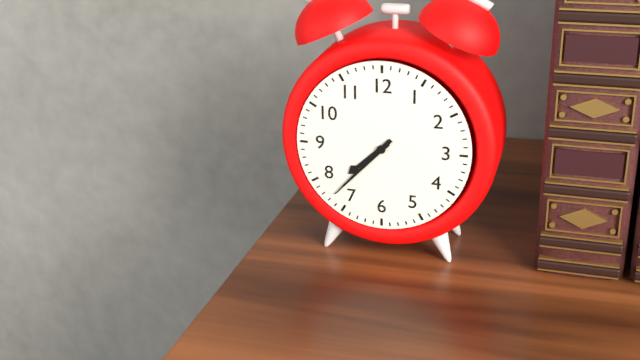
7:37
